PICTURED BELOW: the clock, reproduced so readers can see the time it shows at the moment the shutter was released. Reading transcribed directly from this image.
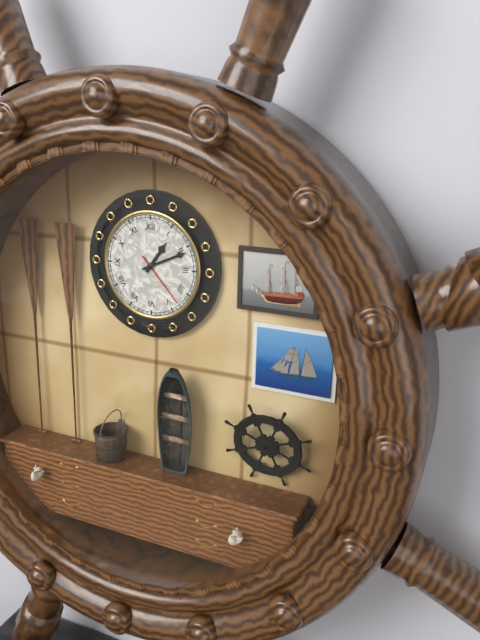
1:11:23
